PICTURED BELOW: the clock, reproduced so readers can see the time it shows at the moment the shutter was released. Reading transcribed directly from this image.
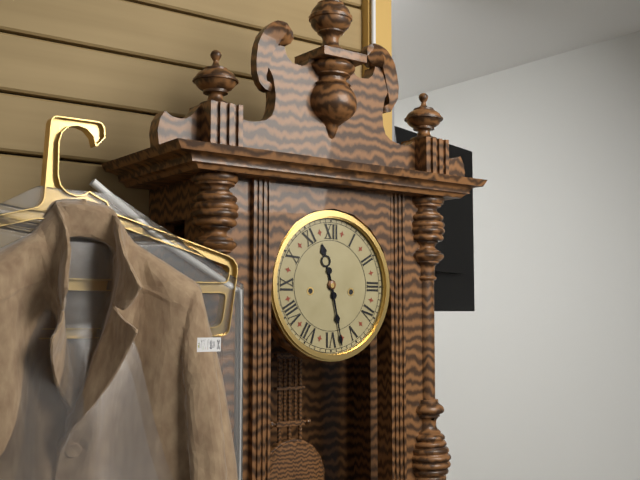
11:28
